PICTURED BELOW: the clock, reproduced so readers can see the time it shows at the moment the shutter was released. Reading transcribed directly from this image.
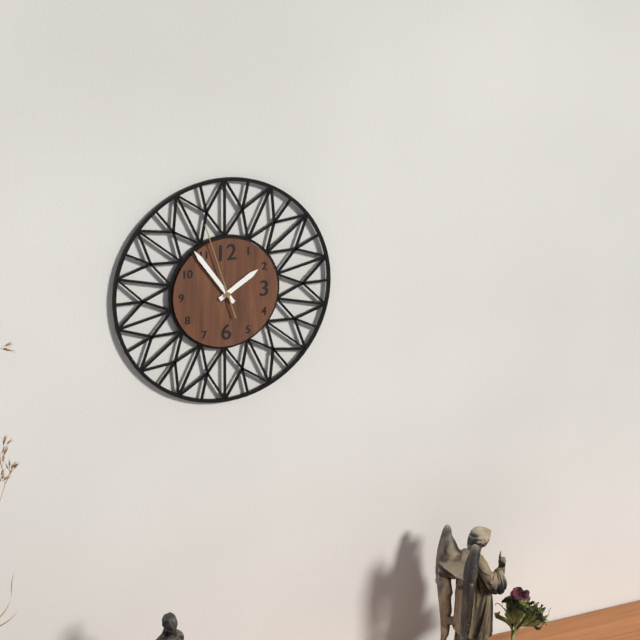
1:54:57
